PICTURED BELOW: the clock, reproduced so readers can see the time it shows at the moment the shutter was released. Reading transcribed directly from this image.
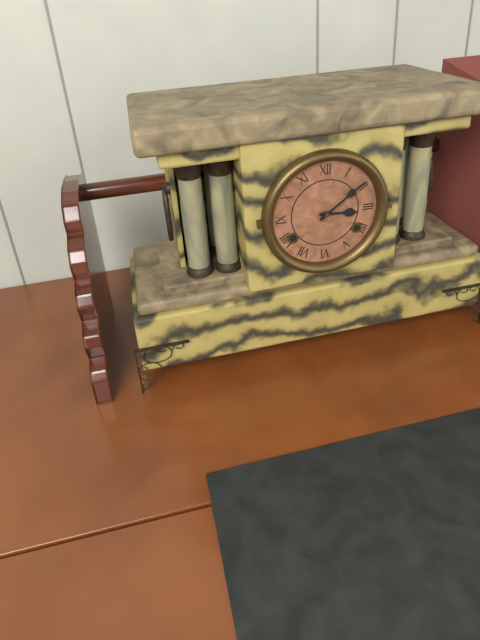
3:09
